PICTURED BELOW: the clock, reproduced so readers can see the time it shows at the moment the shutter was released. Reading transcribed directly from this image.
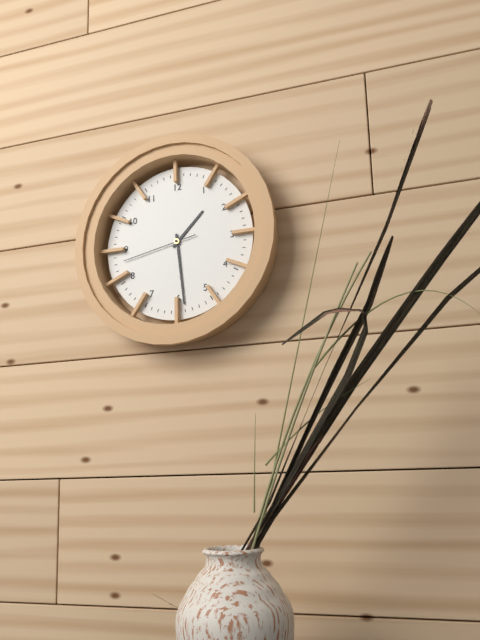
1:29:43
